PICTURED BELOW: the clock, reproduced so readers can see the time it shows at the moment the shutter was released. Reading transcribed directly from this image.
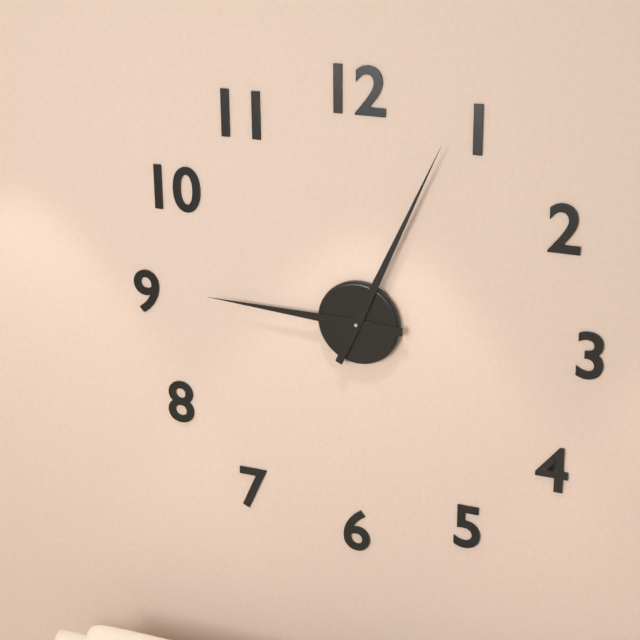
9:04
